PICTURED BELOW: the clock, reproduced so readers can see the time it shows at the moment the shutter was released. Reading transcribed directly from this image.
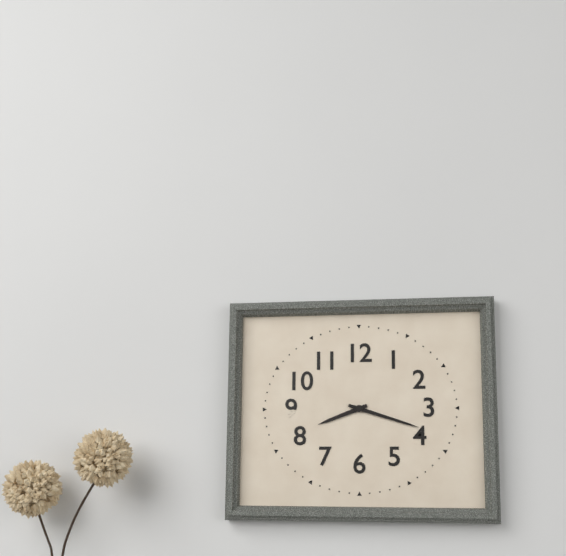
8:18
